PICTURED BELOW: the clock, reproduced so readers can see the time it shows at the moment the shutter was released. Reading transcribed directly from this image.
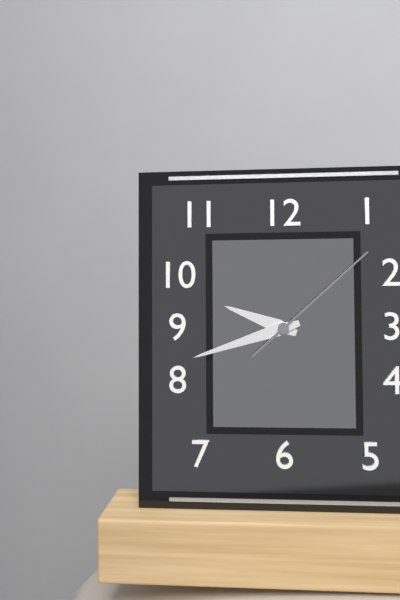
9:42:08
